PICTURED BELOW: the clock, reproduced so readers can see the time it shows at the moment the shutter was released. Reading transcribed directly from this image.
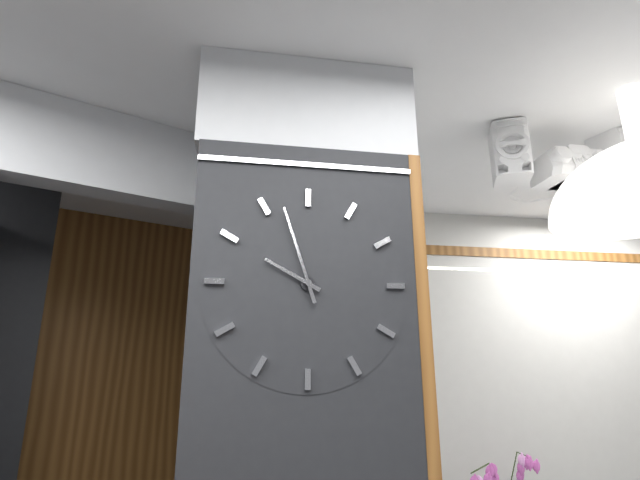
9:57
